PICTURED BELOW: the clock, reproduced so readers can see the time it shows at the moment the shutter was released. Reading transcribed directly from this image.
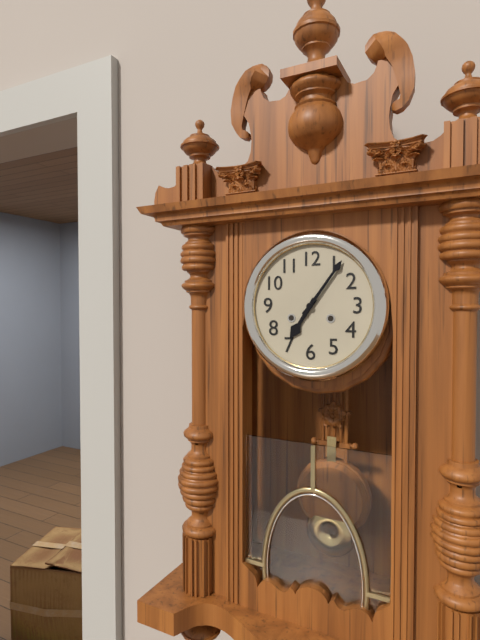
7:06
